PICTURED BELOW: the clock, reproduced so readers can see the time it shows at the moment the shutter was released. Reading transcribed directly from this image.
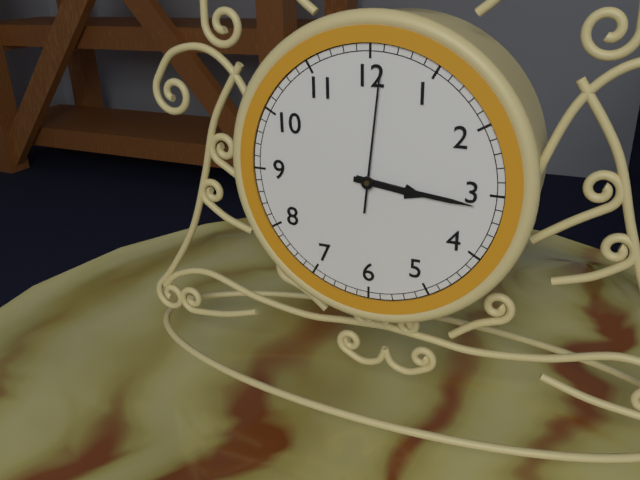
3:16:01
